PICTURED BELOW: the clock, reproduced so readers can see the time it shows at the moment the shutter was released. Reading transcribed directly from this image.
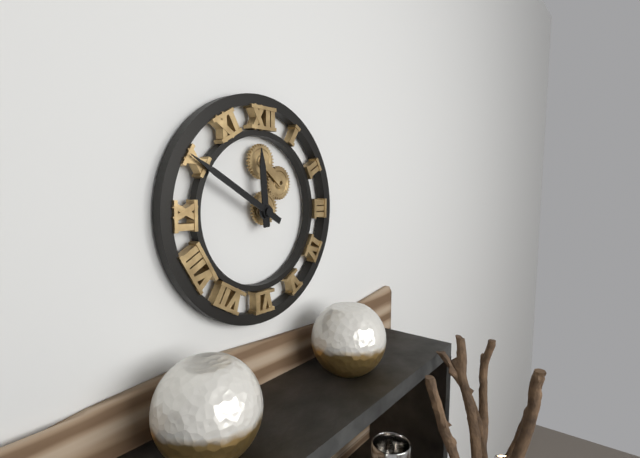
11:50
